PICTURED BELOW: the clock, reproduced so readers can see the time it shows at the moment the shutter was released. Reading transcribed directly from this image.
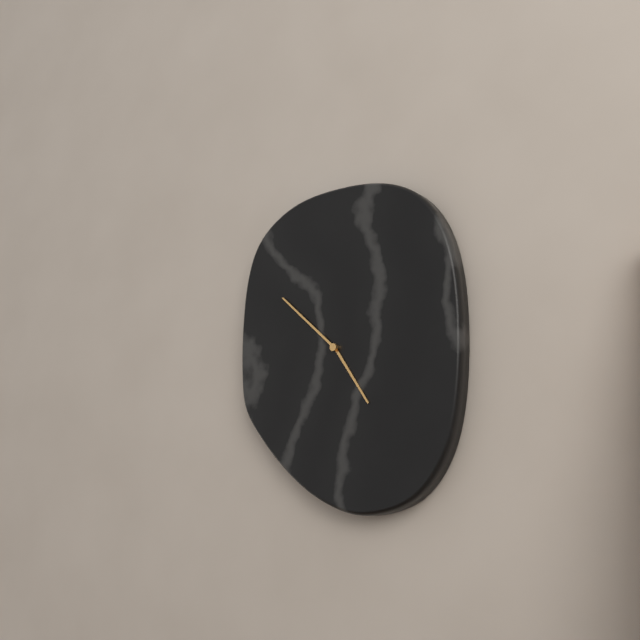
4:52
